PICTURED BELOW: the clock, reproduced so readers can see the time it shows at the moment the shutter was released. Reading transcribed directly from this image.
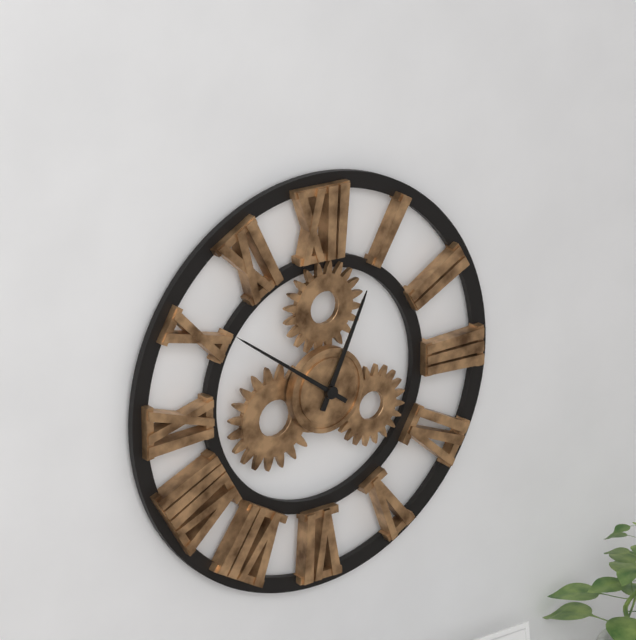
12:51
